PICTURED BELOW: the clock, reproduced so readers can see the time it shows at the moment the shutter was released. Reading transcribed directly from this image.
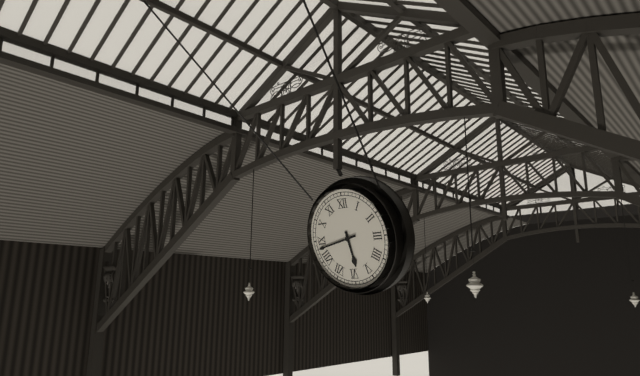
5:43
